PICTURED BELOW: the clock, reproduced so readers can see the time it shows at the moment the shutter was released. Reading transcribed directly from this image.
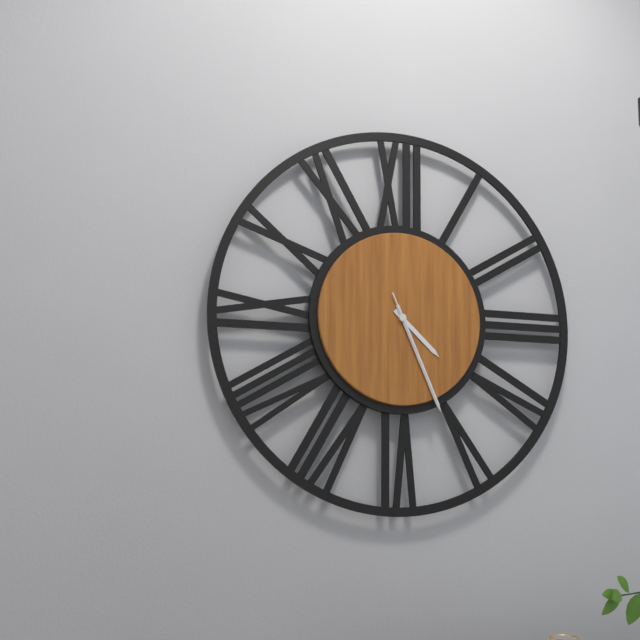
4:26:26
